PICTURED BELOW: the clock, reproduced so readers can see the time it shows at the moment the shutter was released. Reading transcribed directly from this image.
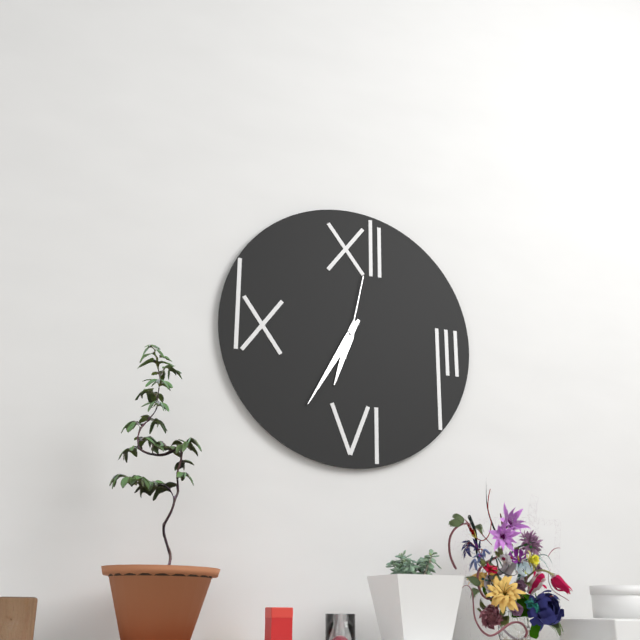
6:35:02
